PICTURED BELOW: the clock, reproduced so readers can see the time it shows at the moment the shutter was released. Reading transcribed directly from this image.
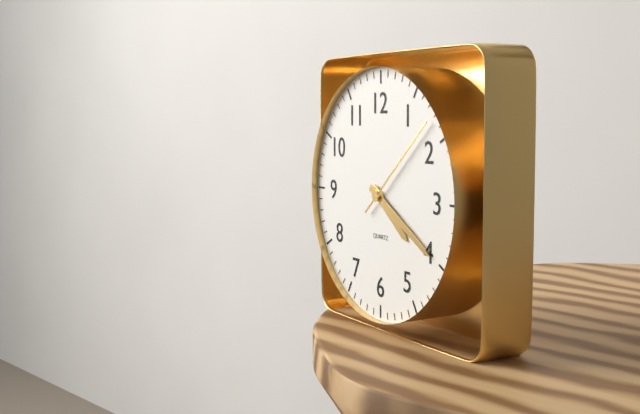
4:20:08
